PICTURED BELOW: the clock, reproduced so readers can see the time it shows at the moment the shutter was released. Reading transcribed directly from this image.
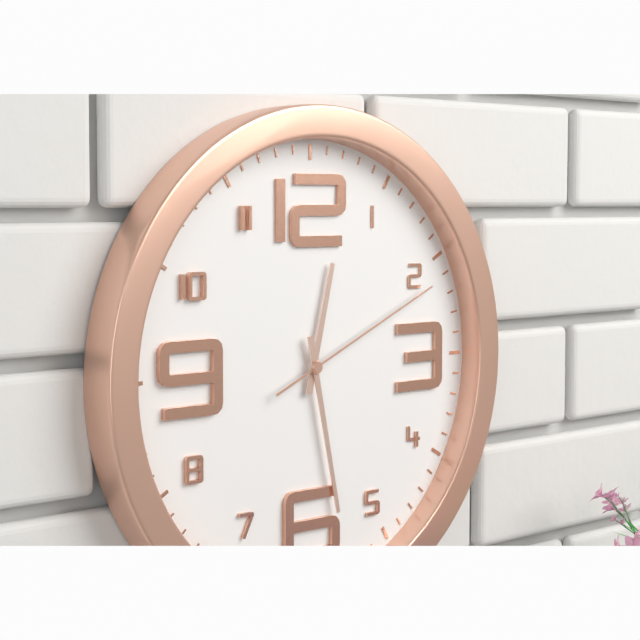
12:28:11
